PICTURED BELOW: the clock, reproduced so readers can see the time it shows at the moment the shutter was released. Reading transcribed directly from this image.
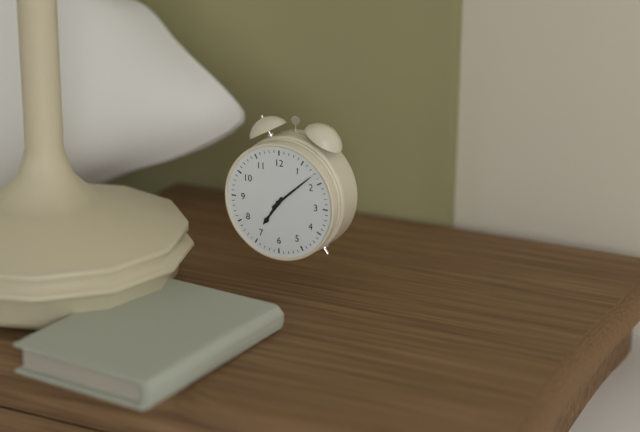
7:08
